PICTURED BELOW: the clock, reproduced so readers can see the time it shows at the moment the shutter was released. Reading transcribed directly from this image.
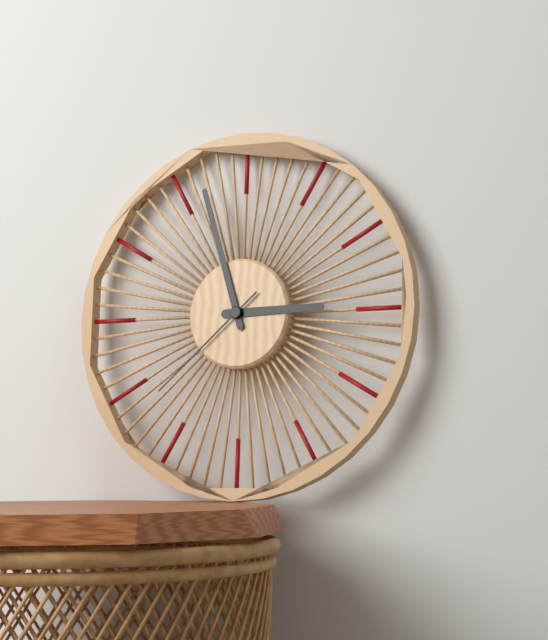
2:57:38
